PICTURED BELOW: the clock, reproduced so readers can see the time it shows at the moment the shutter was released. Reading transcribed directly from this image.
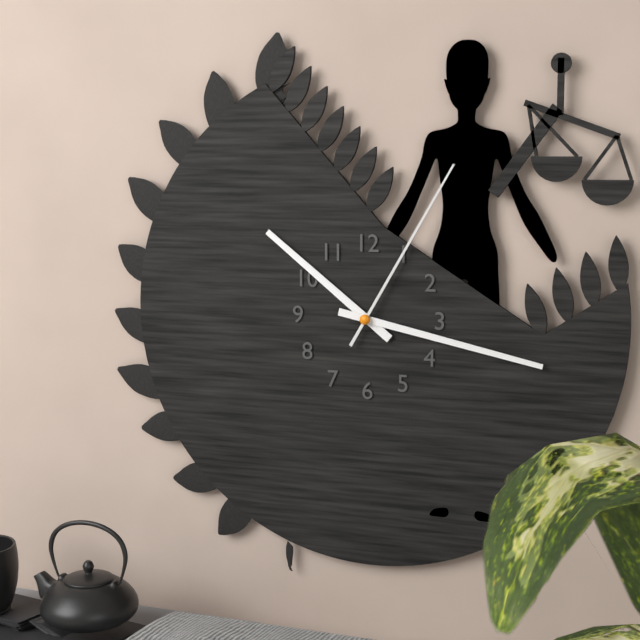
10:17:05
